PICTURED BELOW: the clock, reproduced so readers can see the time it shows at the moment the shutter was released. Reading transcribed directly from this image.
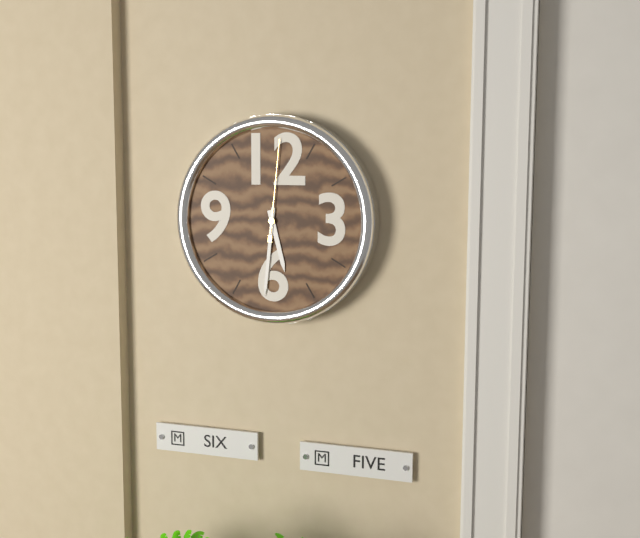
5:31:01
